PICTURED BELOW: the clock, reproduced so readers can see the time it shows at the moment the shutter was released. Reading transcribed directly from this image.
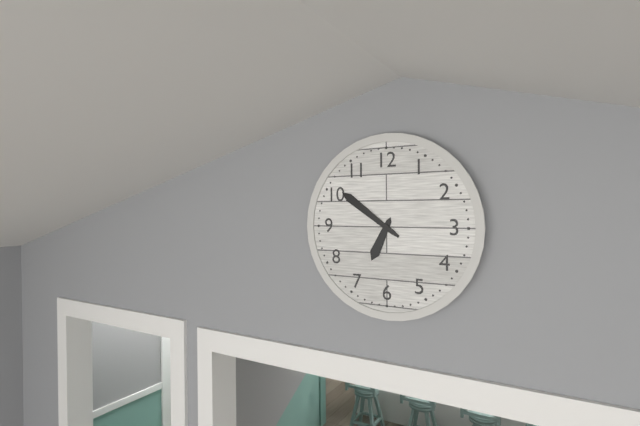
6:51
